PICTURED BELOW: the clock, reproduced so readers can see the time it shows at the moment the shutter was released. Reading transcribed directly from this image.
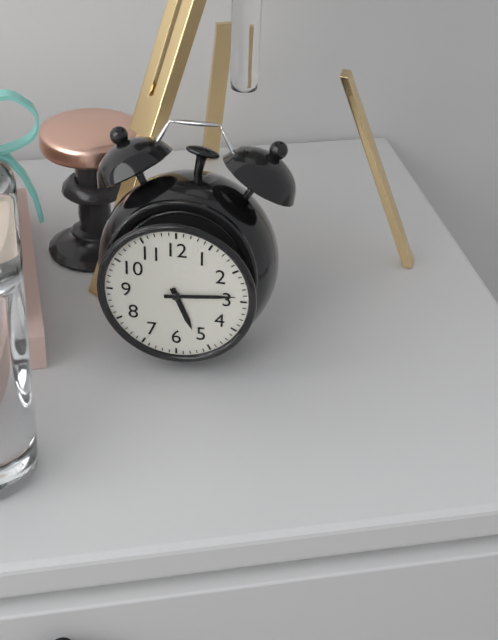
5:14
